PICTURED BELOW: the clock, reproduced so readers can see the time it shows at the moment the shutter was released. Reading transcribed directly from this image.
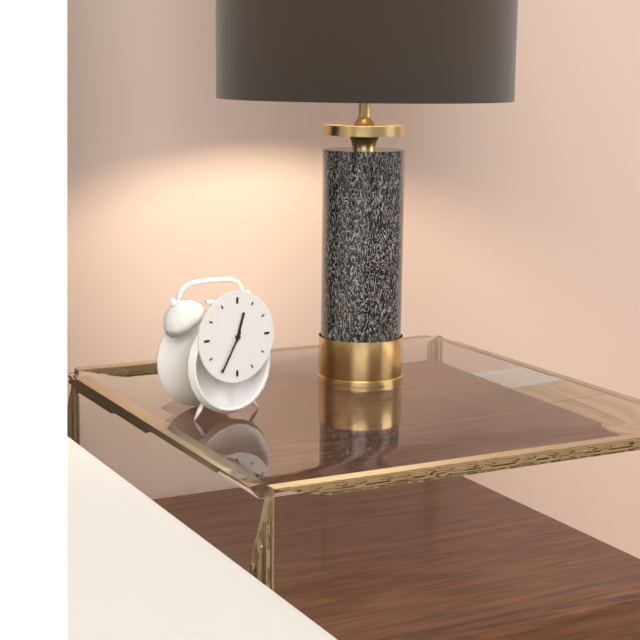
12:35
